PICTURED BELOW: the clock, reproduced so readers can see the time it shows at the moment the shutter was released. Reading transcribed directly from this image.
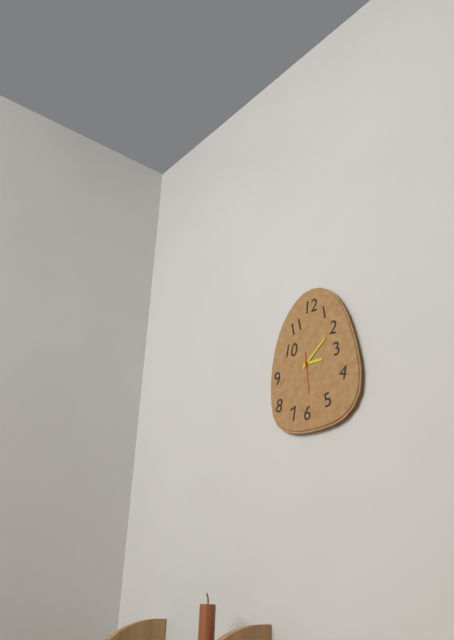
3:09
